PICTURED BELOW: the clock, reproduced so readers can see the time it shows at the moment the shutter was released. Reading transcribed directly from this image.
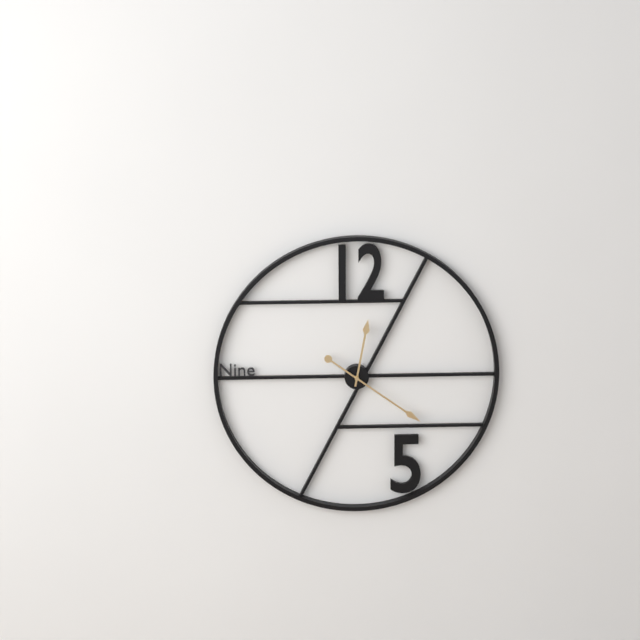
12:21
